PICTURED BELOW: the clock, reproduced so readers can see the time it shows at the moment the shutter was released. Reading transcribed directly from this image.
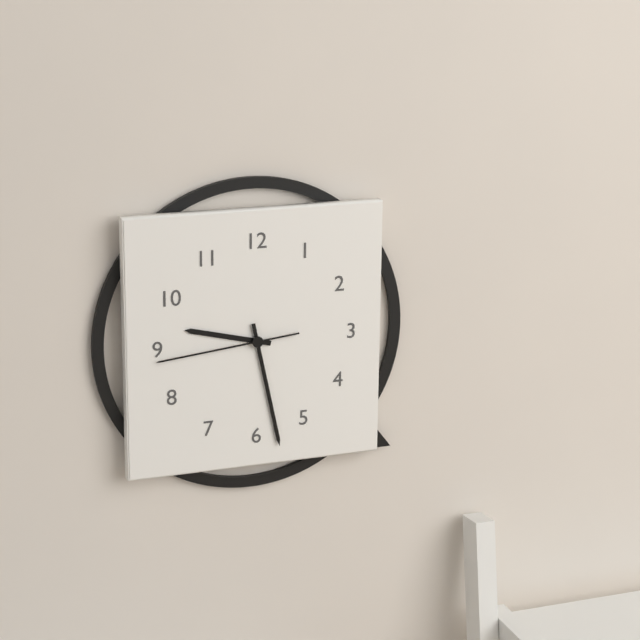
9:28:44
